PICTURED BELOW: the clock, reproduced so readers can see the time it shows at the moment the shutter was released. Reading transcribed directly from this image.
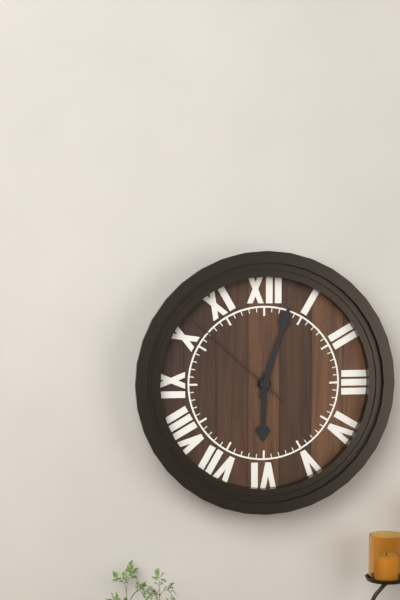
6:03:52
